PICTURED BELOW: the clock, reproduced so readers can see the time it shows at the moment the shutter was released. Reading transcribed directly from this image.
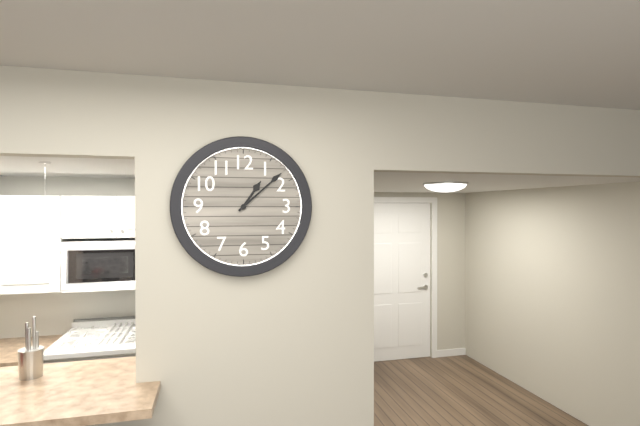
1:08
